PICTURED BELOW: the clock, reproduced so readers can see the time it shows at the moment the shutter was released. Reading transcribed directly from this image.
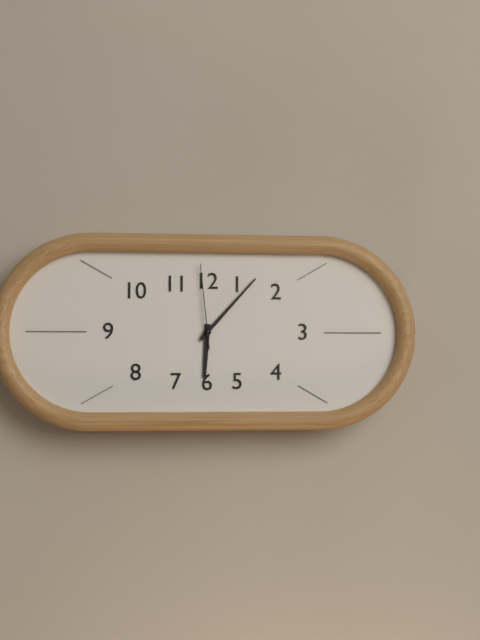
6:07:59
